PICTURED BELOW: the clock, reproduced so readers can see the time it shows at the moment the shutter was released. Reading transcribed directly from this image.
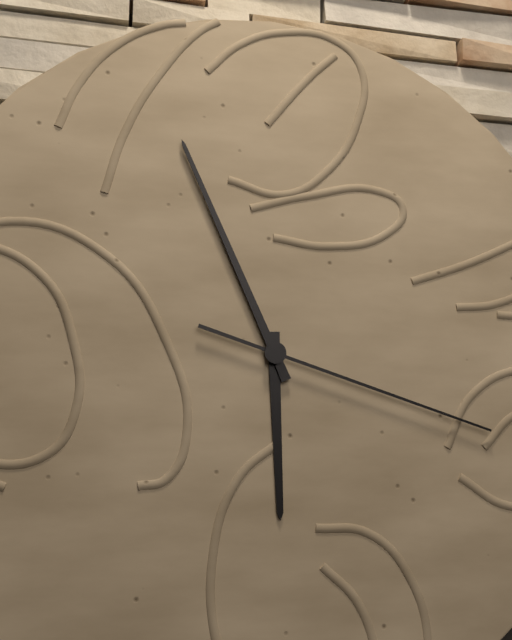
5:56:18
